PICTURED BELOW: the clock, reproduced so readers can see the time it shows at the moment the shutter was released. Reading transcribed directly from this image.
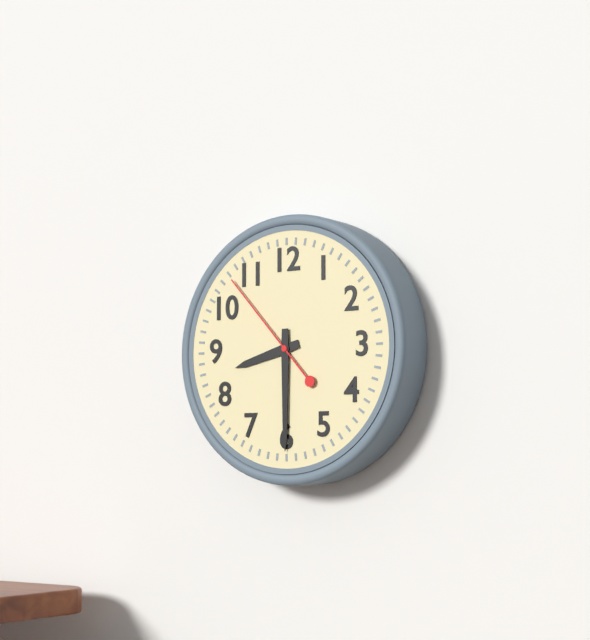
8:30:53
